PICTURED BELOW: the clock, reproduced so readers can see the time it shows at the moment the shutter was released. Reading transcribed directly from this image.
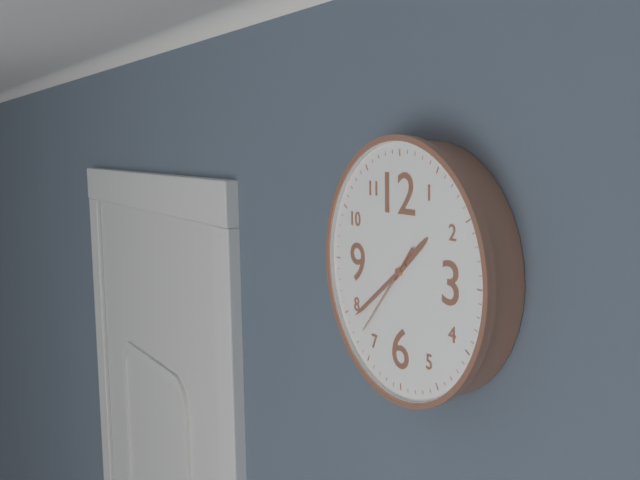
1:39:37
